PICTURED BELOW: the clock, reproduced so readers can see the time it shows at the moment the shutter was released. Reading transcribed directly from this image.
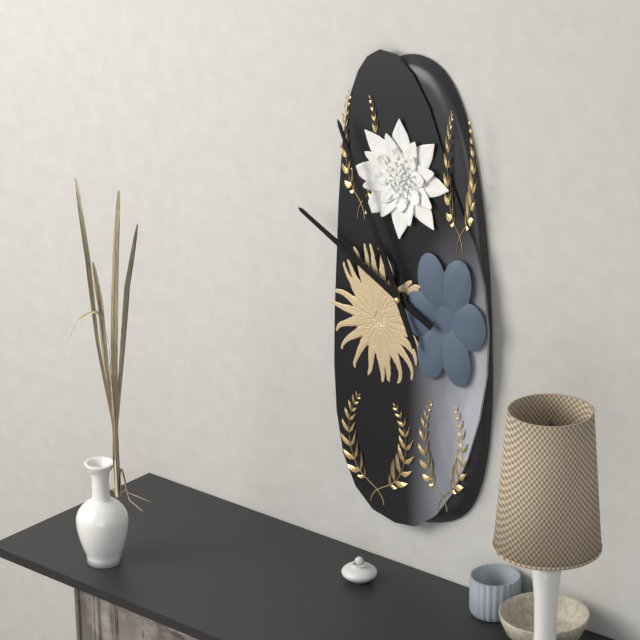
9:56
